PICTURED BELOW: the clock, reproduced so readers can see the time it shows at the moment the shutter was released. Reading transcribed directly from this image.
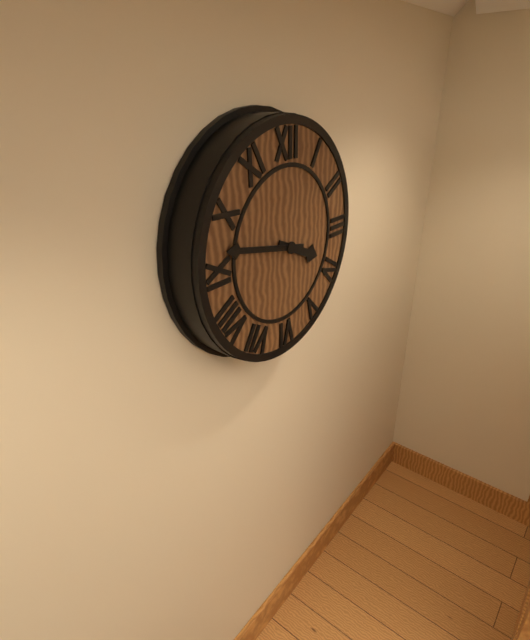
3:47
